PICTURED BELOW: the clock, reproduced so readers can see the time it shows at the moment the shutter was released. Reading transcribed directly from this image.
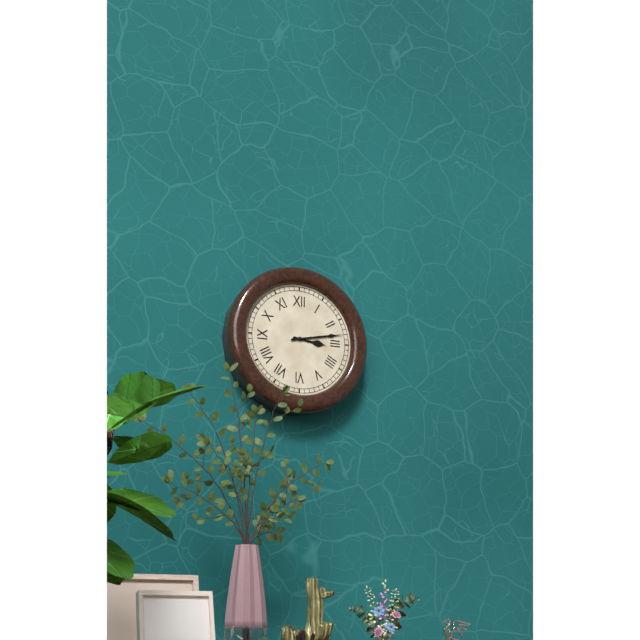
3:13
